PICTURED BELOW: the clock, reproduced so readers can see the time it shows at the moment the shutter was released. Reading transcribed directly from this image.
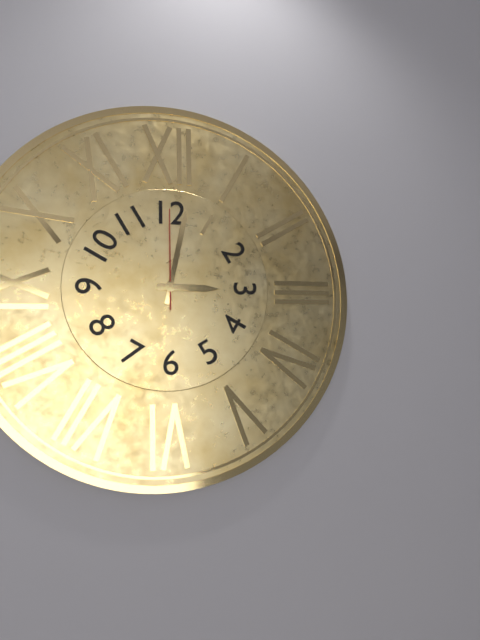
3:02:00
